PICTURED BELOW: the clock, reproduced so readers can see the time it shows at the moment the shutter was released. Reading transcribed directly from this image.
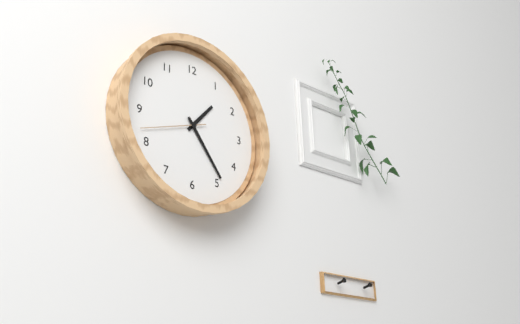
1:24:42
